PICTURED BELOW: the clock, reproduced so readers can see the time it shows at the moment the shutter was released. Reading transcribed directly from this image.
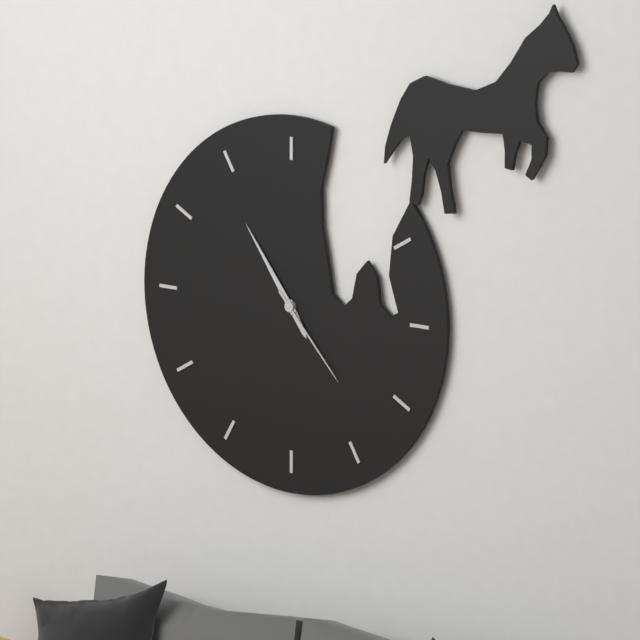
4:54:23
